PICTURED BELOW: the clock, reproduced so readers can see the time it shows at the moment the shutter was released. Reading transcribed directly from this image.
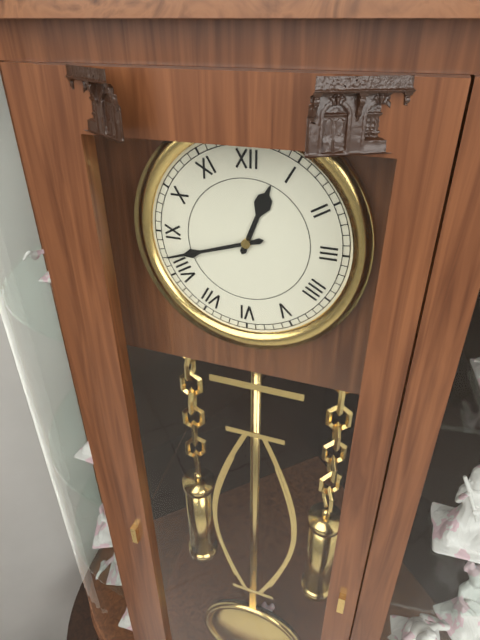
12:42
